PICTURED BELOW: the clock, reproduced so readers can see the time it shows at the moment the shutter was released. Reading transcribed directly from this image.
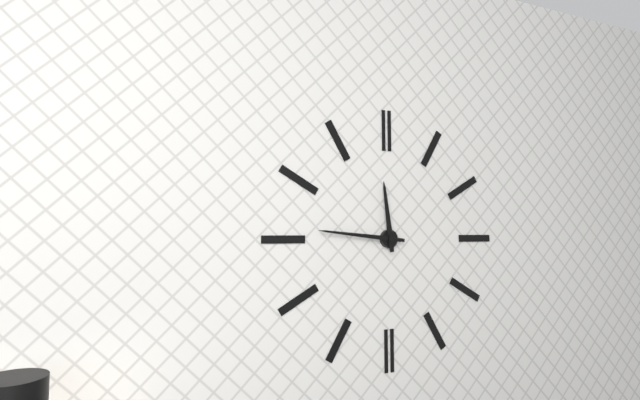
11:46
